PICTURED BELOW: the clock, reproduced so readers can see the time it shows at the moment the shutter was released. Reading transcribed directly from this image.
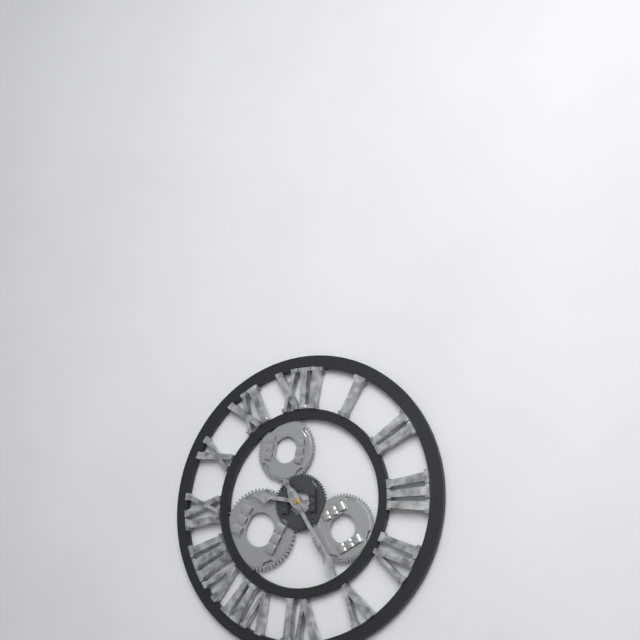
9:25
